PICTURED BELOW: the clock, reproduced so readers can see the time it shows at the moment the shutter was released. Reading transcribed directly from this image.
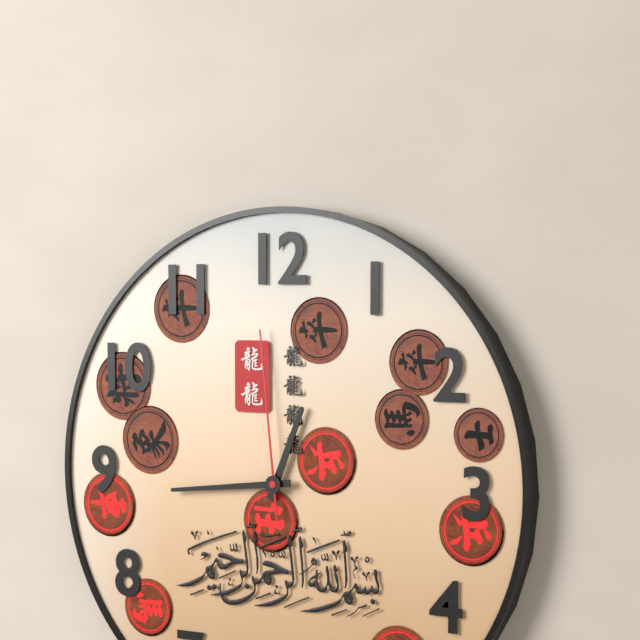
12:44:59
